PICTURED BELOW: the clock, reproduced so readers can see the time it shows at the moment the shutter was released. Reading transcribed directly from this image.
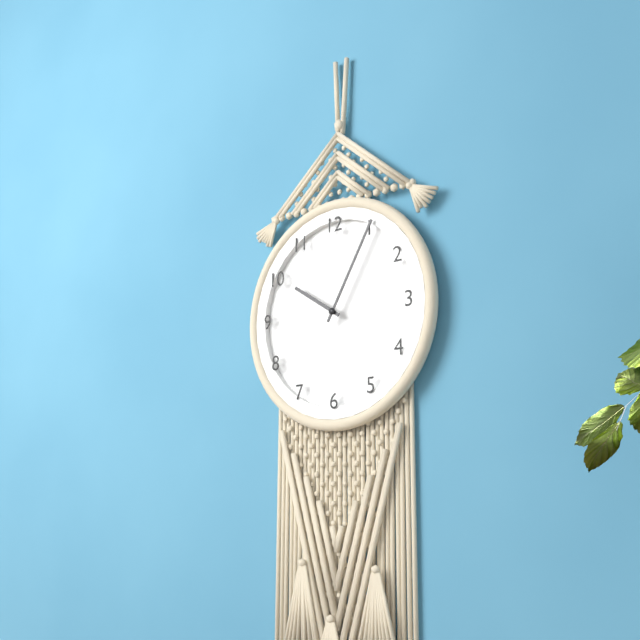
10:05
